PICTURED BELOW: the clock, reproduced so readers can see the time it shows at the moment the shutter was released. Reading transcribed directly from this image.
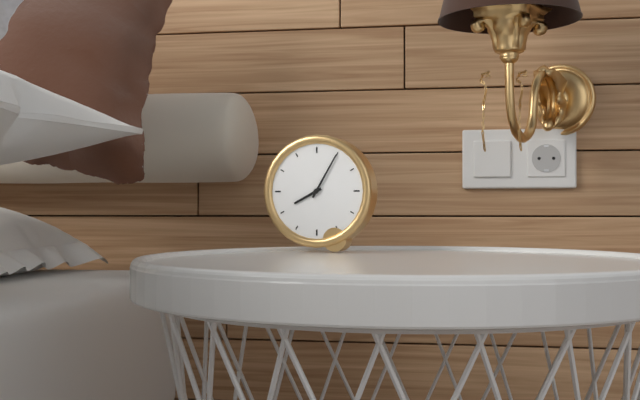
8:05
